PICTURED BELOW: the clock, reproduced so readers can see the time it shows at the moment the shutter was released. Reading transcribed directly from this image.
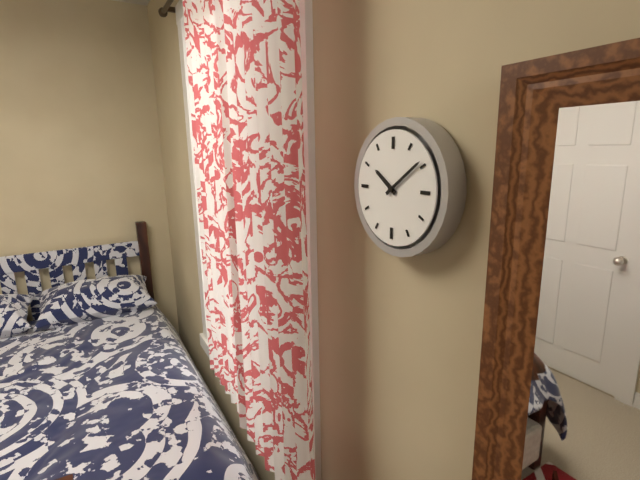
10:09
